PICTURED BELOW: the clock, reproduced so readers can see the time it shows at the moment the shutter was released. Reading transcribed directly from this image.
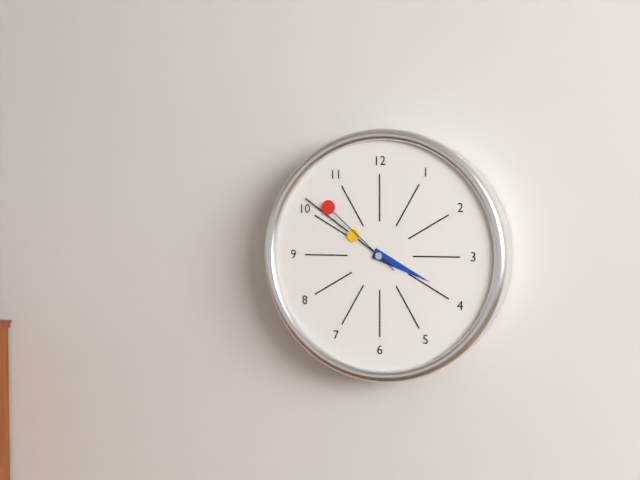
3:51:52
